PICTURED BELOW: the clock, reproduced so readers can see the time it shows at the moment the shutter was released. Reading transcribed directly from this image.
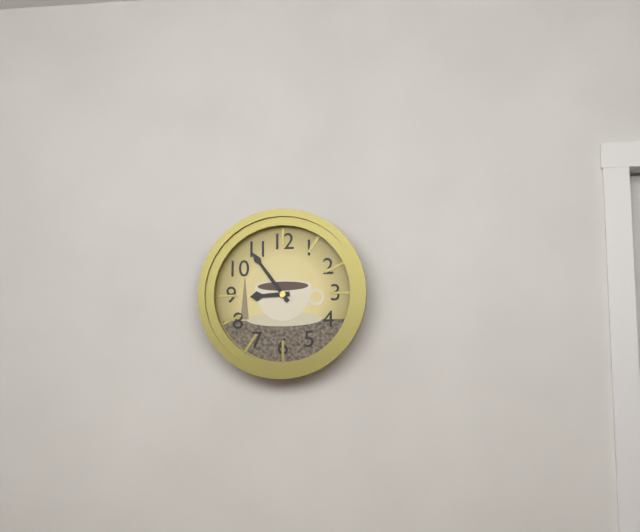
8:54
